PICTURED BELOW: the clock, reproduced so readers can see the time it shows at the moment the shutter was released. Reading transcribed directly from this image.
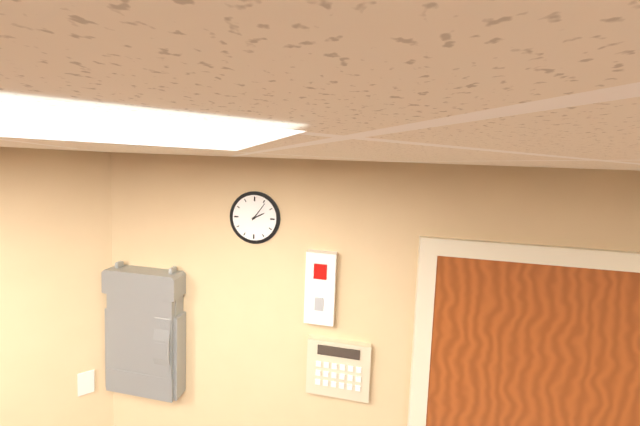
2:06
